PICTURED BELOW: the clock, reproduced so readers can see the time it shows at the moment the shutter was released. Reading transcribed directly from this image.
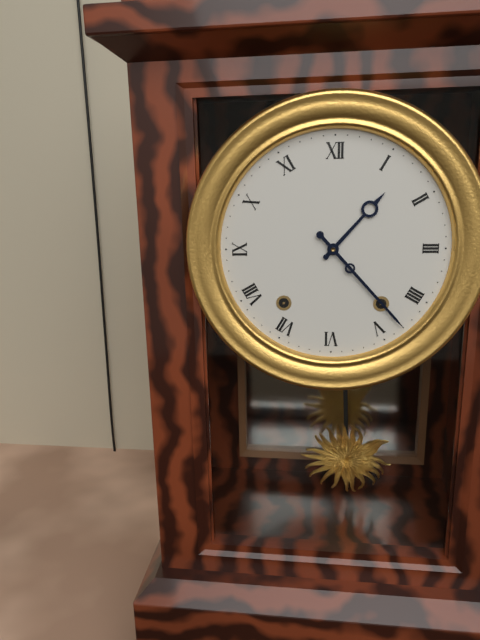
1:23
